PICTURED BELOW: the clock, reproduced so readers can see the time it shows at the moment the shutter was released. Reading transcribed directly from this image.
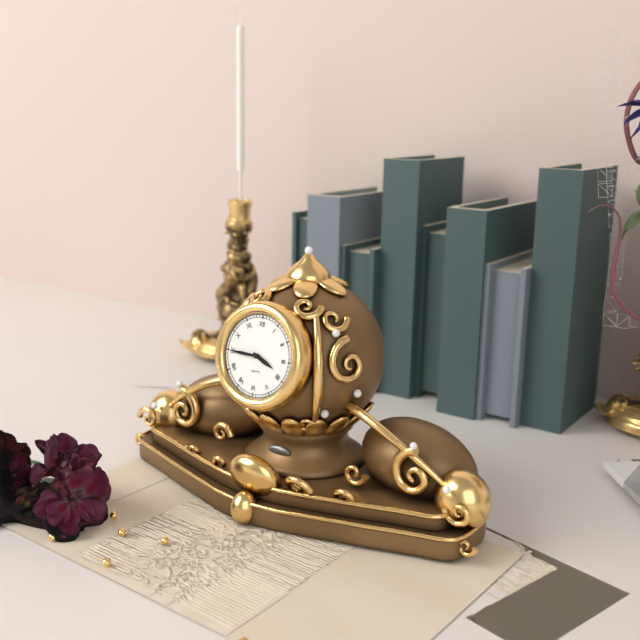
3:45
